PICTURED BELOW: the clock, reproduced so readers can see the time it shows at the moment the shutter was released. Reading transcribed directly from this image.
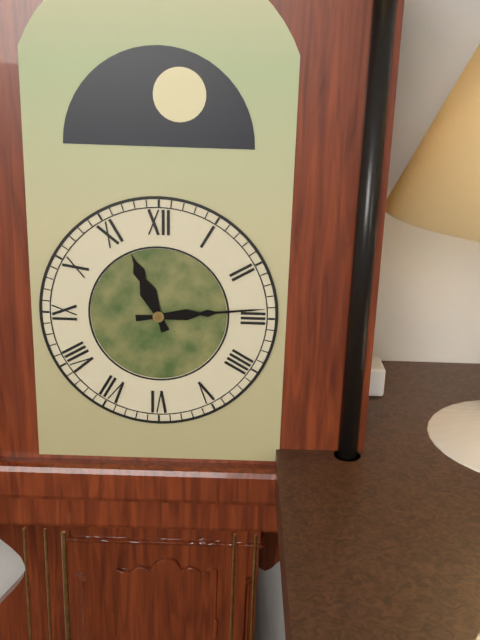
11:14
